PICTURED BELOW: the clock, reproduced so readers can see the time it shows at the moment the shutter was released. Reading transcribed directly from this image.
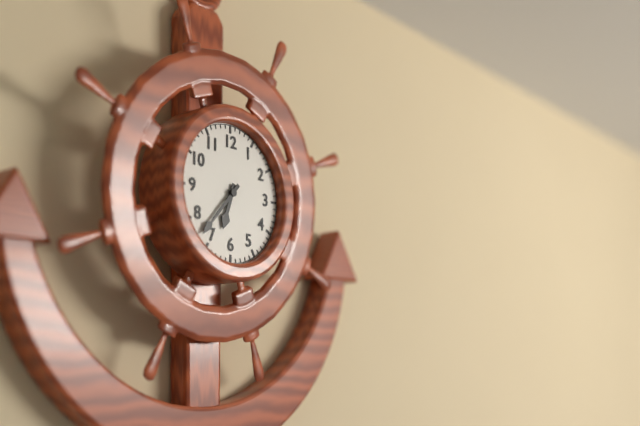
6:37
